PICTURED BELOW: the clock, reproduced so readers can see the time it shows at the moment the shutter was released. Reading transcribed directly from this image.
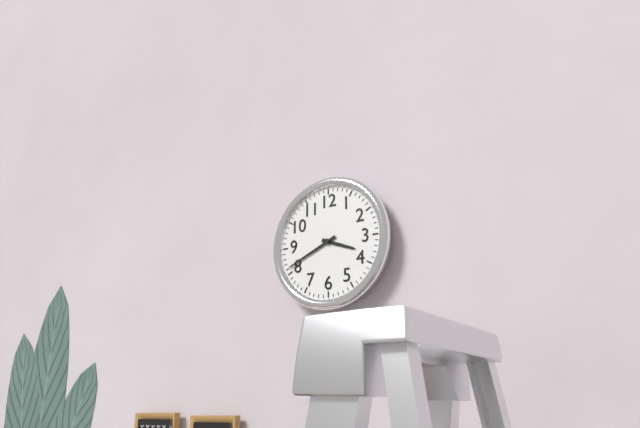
3:41
